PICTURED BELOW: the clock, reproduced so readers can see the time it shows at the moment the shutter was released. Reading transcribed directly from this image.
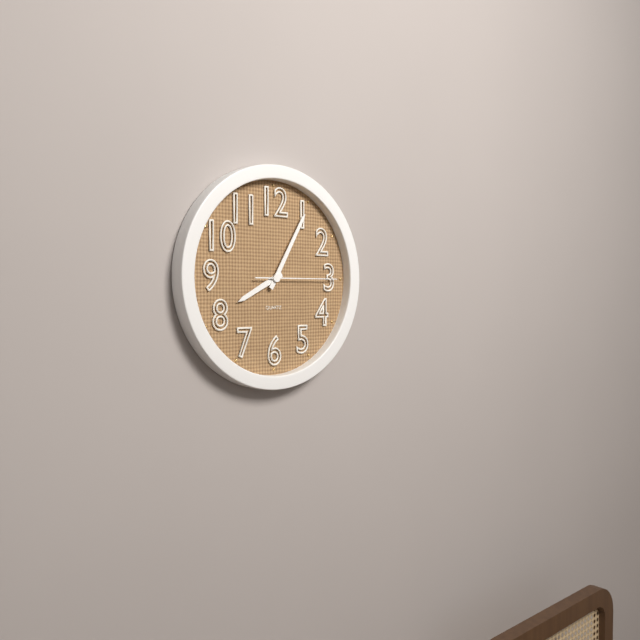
8:05:15
